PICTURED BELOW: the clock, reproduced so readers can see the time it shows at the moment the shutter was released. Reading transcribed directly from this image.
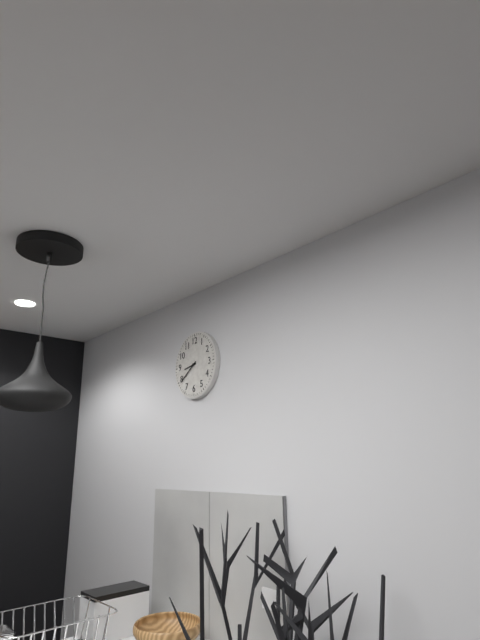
8:39
